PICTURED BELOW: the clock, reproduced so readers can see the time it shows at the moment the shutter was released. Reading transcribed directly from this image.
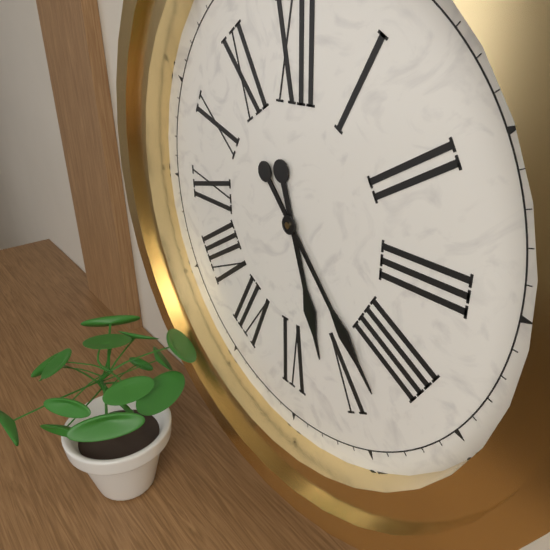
5:23
